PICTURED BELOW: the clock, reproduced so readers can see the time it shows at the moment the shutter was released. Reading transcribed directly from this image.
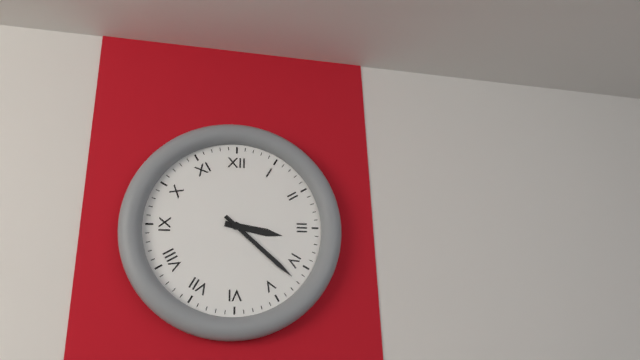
3:22
